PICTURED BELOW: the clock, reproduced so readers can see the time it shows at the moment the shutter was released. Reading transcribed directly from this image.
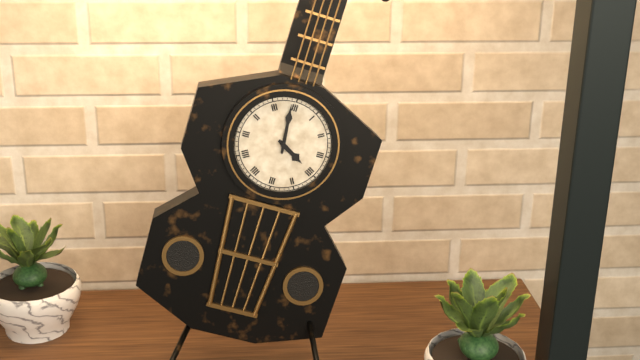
3:59
